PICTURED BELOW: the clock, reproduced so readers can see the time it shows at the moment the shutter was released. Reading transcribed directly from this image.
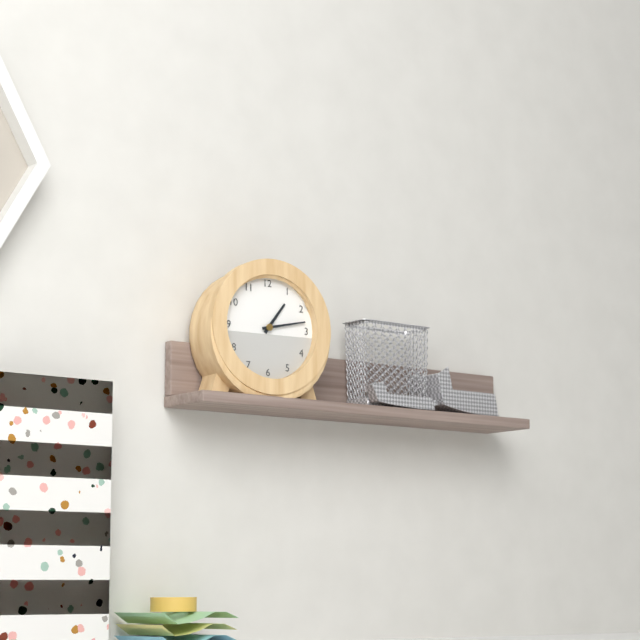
1:13
